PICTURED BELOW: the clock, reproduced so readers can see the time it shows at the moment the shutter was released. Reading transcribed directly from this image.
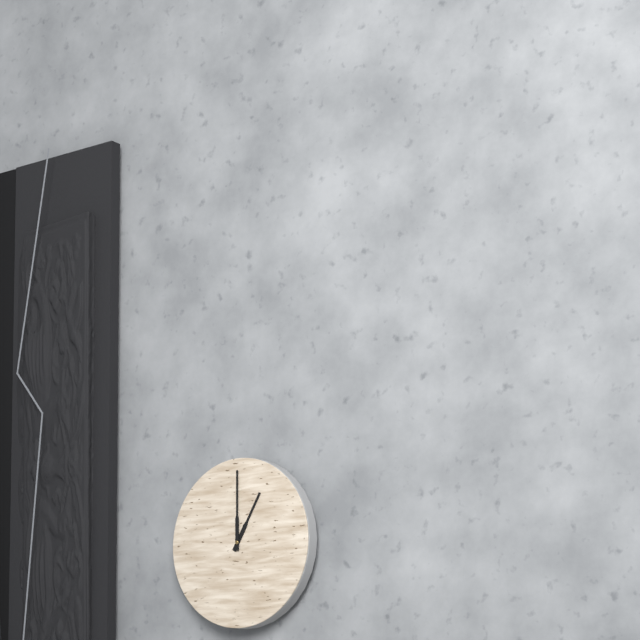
1:00
